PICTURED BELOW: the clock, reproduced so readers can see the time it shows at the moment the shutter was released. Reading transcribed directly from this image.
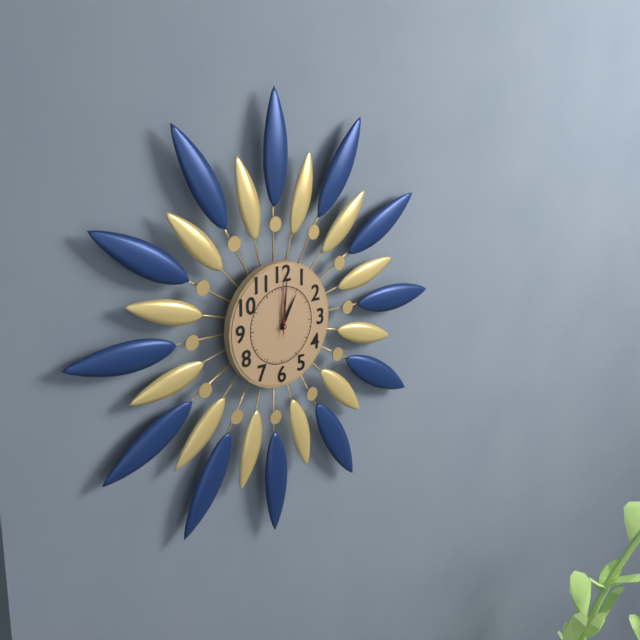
1:01:00
